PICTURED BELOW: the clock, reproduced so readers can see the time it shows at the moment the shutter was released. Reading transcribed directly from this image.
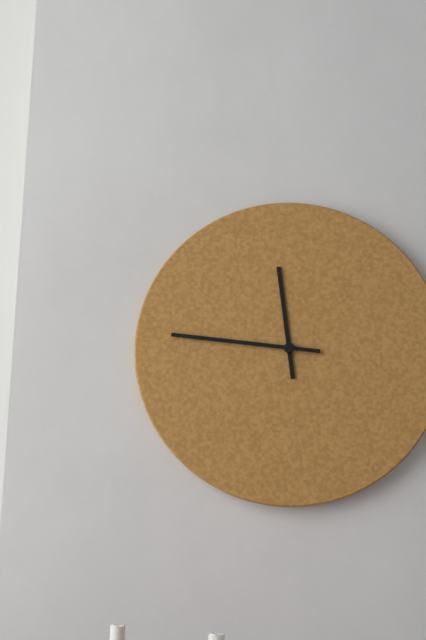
11:46
